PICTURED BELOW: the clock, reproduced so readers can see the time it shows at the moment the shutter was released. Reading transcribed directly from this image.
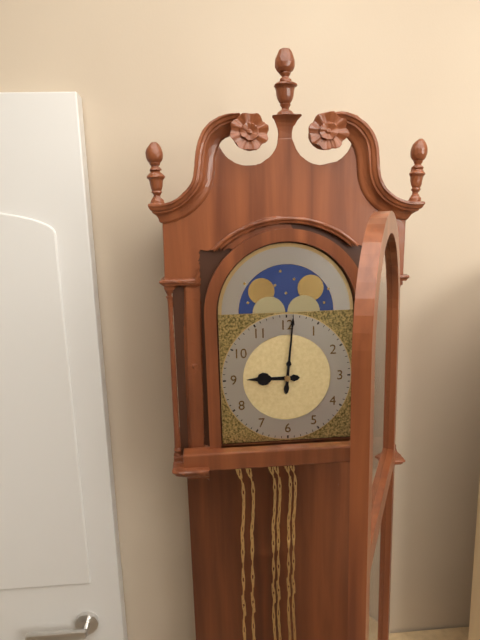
9:01
